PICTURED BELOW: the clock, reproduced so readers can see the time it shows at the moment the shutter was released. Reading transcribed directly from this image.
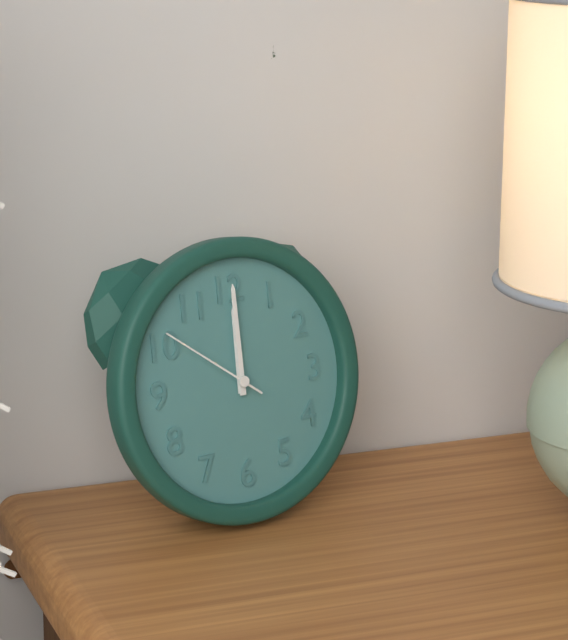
12:00:51
